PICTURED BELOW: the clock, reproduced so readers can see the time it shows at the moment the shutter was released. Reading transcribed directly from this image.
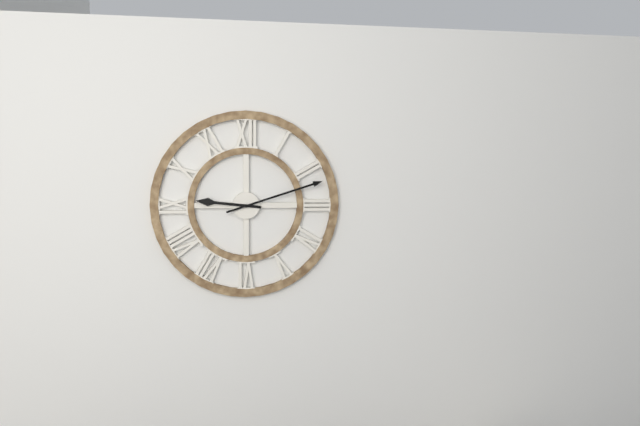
9:12
